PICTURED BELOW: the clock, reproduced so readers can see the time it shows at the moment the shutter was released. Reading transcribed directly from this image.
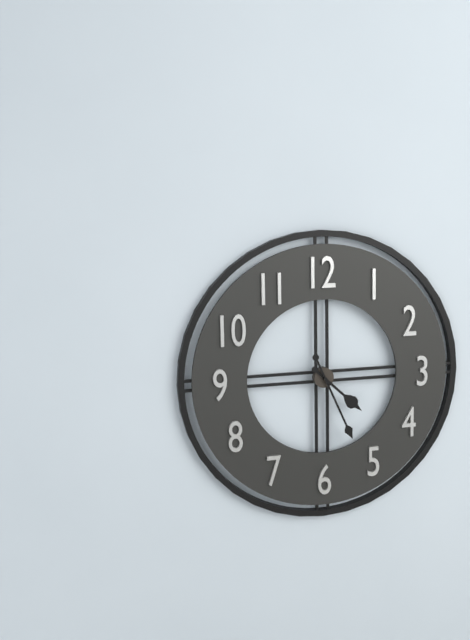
4:26
